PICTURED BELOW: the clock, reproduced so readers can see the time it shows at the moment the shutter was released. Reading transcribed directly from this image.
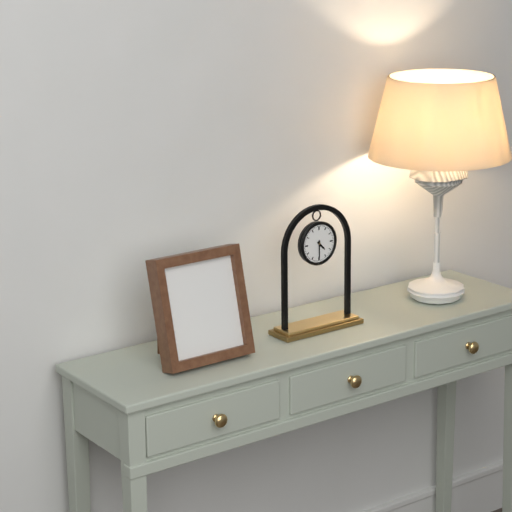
4:30
